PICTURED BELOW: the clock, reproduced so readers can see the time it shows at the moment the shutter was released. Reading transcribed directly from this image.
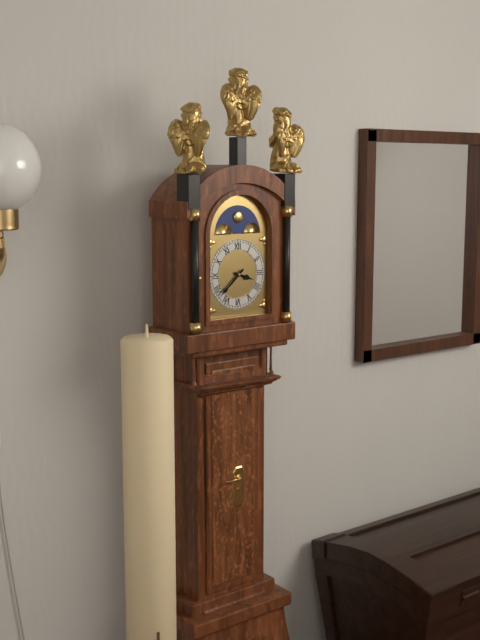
3:38
